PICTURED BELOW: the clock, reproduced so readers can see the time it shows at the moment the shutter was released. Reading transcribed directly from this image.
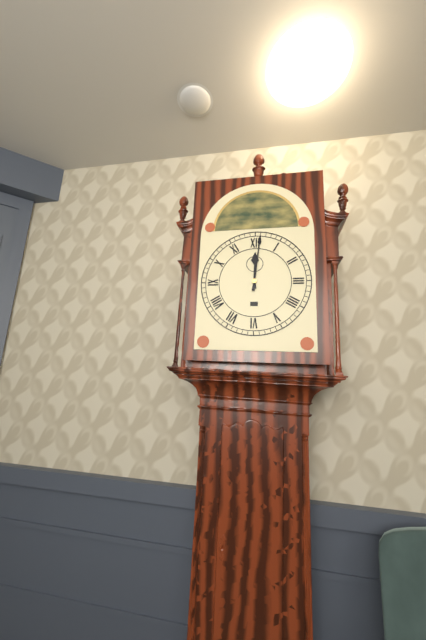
12:01
